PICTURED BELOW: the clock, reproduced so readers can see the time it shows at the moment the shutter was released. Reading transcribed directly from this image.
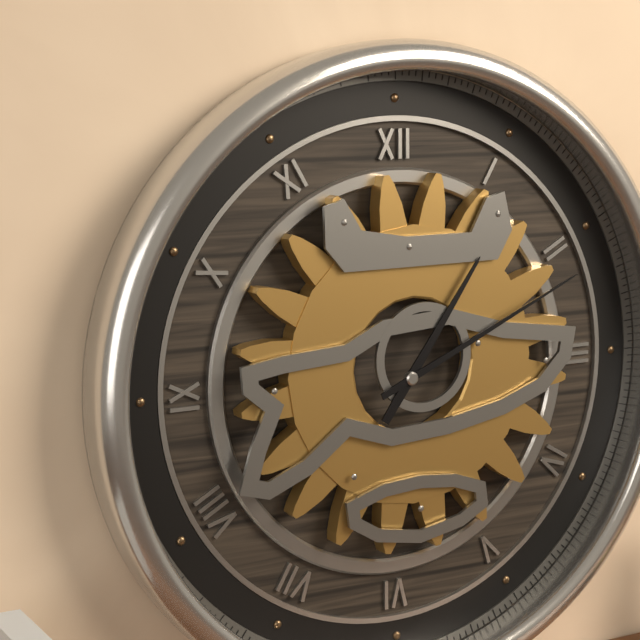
1:11
